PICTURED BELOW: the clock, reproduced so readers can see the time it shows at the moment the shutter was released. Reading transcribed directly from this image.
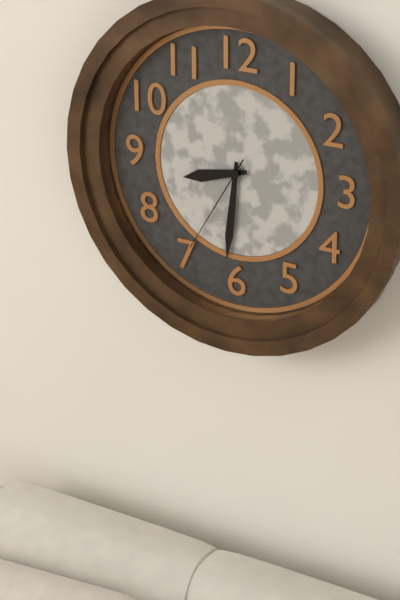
8:31:35
